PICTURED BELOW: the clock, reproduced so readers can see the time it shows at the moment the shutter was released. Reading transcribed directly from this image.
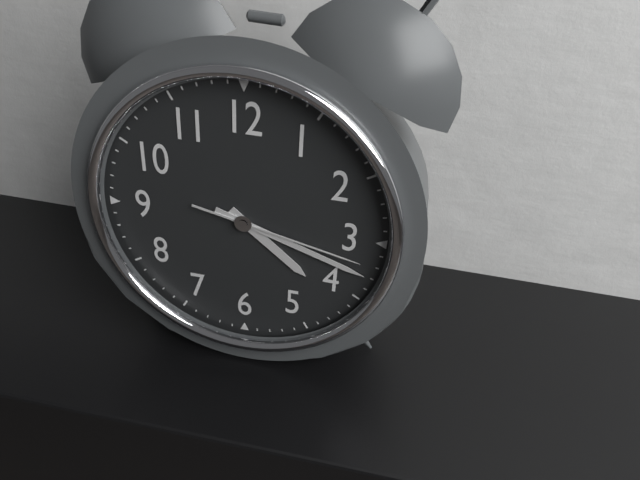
4:18:17
